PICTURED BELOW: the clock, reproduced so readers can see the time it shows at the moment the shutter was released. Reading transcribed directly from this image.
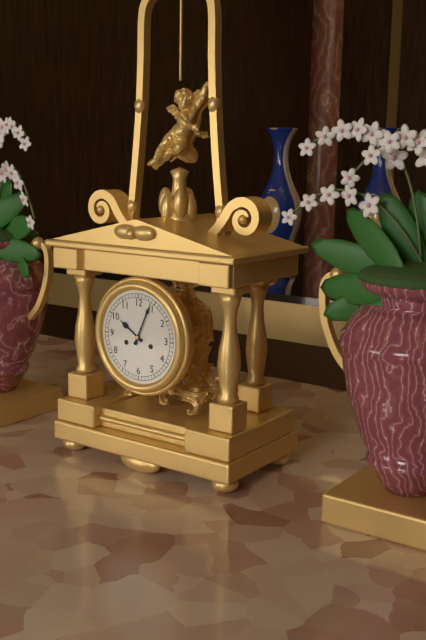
10:04
